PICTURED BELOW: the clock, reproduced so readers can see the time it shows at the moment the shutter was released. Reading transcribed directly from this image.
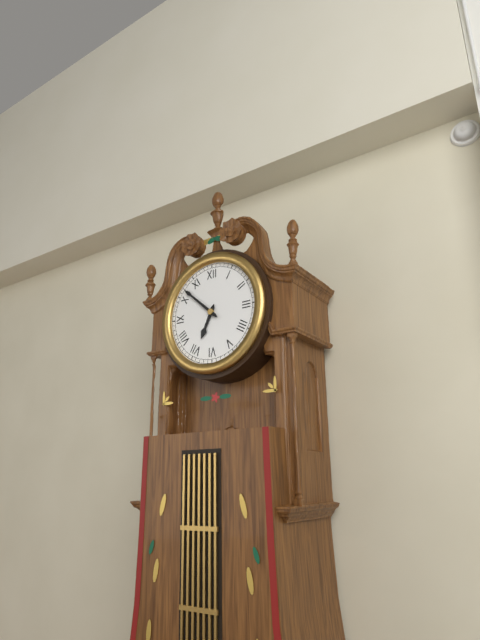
6:52
